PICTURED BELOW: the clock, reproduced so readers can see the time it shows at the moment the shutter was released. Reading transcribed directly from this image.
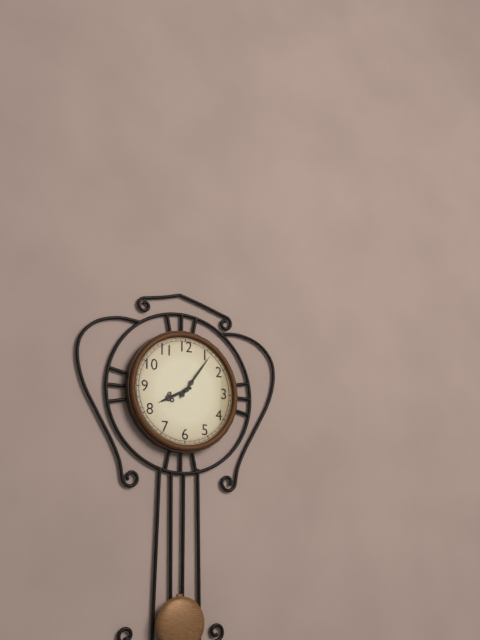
8:06
